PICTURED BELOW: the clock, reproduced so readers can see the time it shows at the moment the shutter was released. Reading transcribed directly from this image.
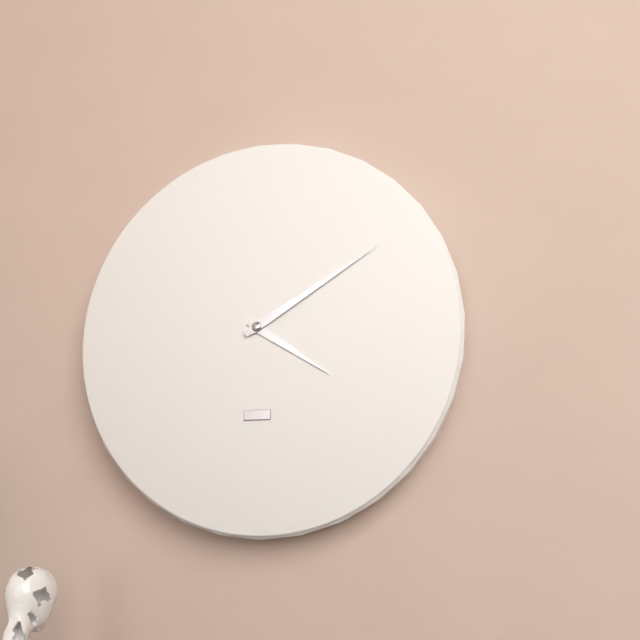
4:10
